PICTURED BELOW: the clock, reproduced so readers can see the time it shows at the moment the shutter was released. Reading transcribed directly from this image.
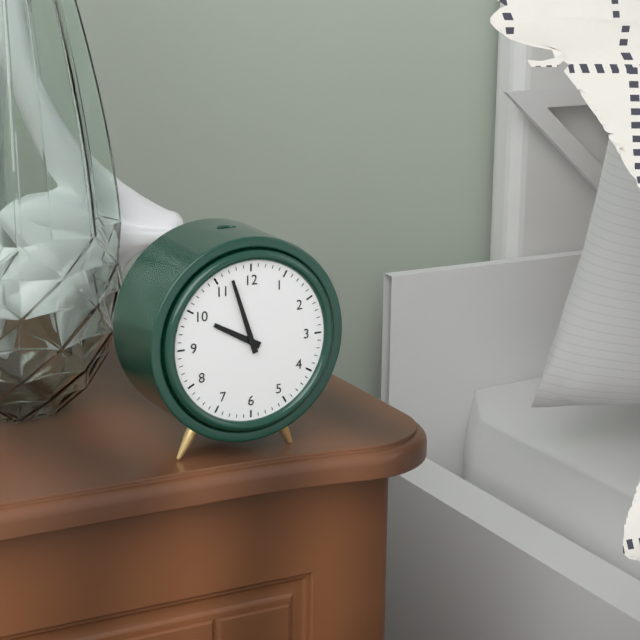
9:57
